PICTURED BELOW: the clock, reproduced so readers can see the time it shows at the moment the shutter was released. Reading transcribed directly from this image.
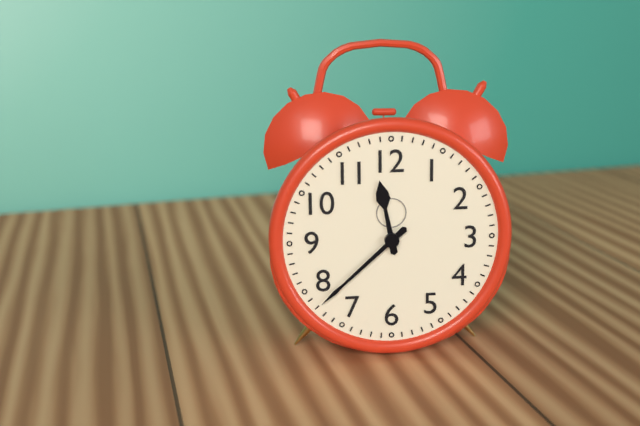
11:38
